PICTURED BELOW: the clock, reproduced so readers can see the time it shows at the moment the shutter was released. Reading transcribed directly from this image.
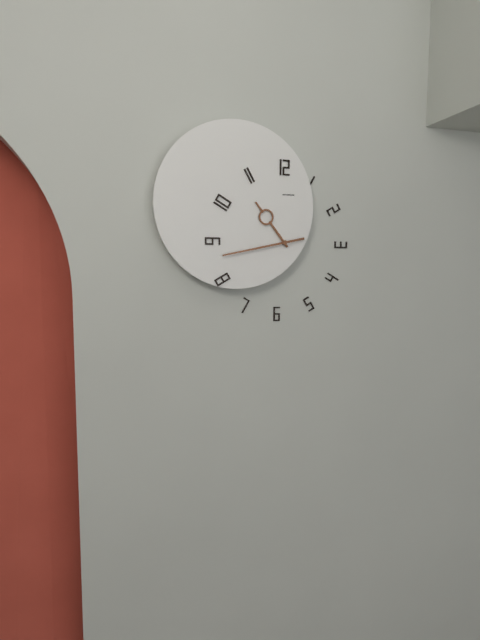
10:43
